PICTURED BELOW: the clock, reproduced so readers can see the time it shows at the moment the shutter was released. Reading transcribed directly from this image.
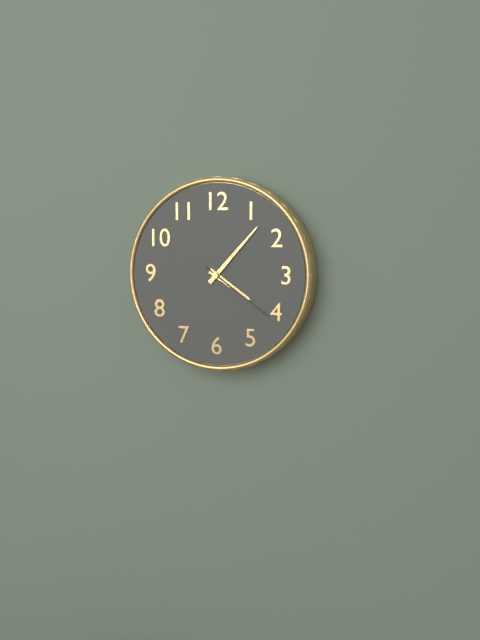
4:07:21
